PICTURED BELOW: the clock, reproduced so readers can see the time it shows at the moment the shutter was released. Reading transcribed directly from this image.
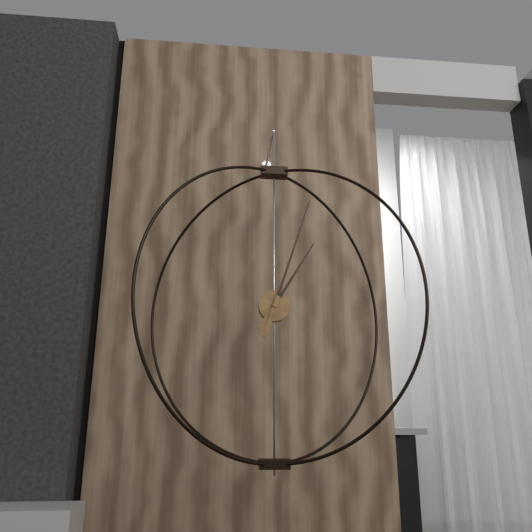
1:03
